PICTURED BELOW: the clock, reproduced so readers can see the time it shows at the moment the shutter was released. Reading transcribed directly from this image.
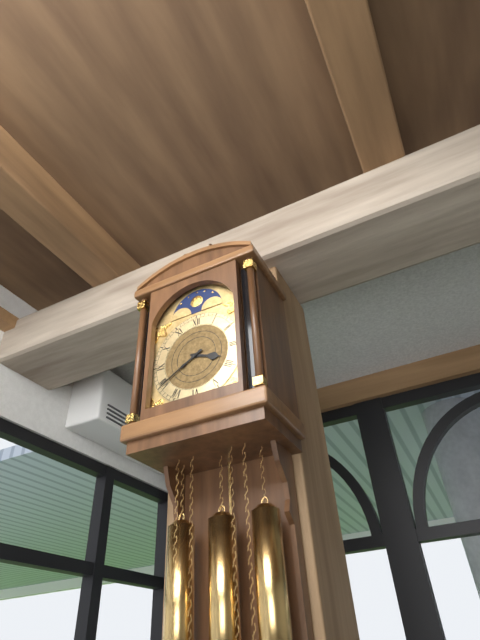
3:40
